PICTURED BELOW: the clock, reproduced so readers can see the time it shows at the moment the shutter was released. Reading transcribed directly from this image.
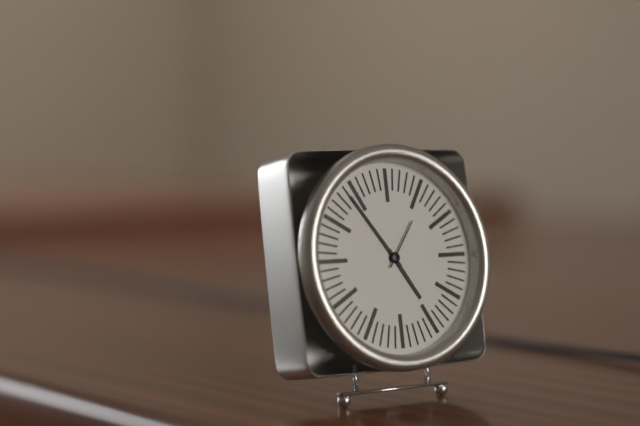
4:54:06
